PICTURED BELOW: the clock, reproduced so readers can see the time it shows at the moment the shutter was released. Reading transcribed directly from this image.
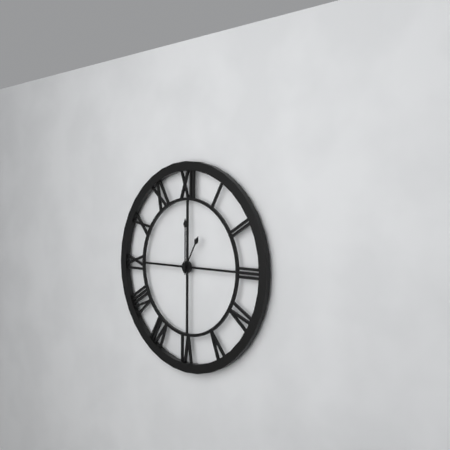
1:00
